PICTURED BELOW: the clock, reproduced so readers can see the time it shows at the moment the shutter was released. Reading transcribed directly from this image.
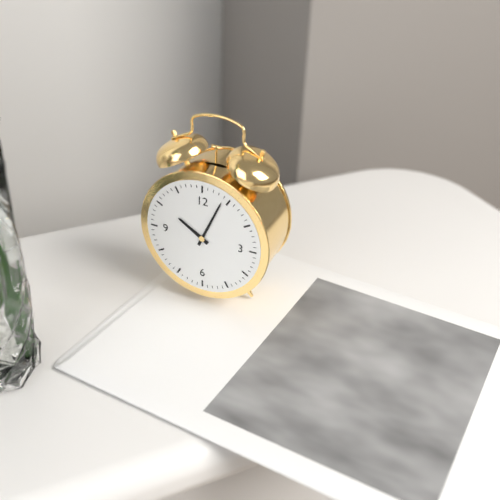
10:04
